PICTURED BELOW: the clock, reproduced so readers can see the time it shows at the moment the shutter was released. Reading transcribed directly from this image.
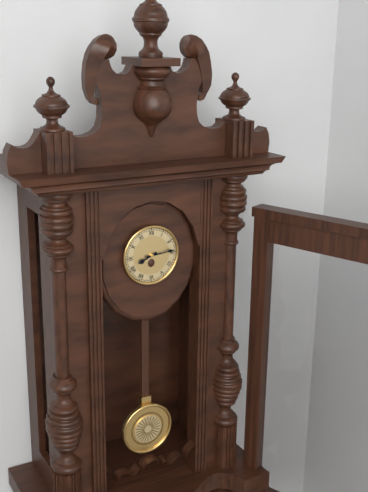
8:14
